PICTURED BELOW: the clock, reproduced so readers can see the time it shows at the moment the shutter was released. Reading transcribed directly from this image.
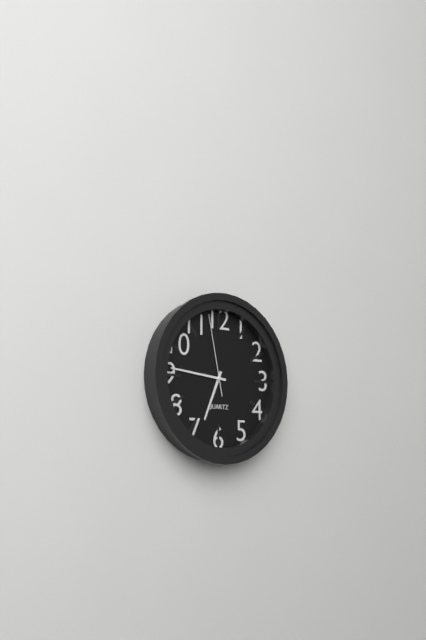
6:46:58
